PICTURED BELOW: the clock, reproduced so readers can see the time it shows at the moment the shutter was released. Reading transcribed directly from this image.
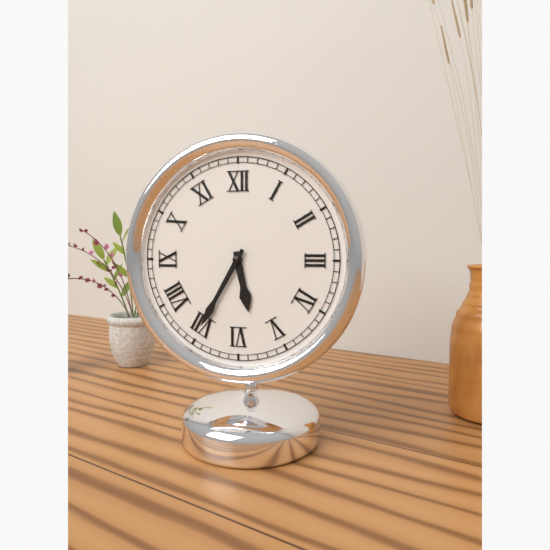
5:35
